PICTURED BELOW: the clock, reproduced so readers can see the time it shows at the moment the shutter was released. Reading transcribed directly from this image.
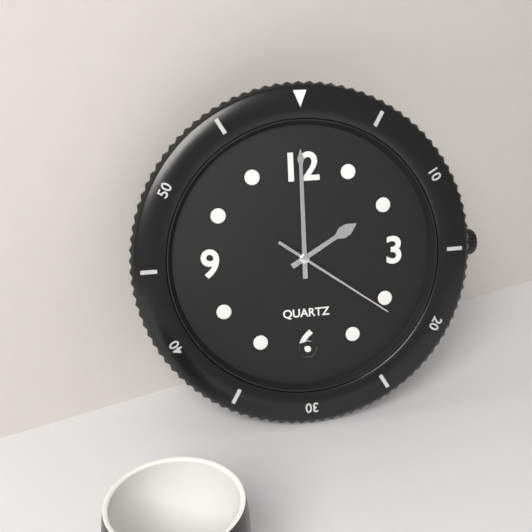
2:00:21
